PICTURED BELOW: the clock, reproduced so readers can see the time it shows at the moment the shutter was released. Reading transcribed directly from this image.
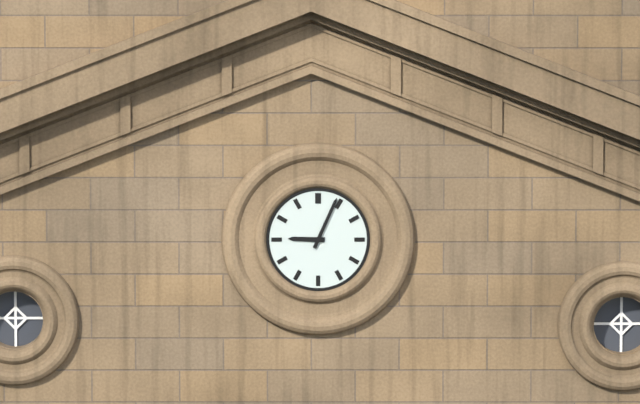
9:04
